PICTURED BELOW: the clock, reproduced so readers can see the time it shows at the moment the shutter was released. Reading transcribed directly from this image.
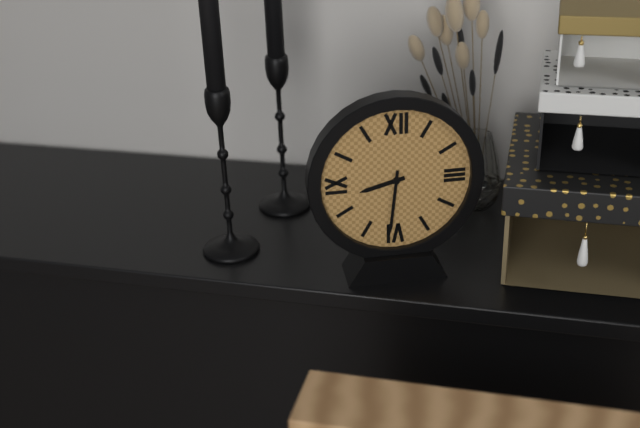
8:31
